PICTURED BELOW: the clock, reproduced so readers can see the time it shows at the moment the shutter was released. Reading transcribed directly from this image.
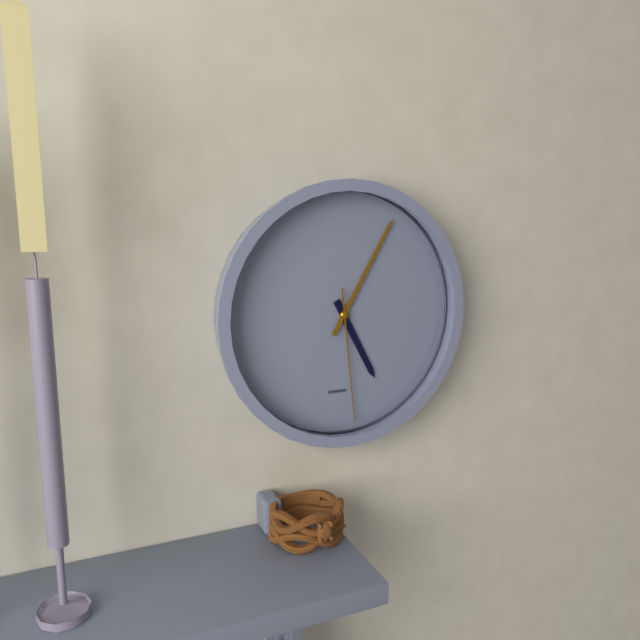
5:05:29
